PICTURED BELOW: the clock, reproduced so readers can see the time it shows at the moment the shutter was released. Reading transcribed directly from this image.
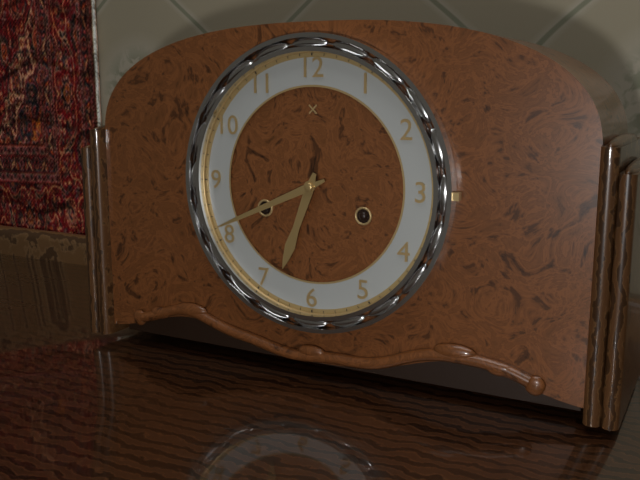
6:41
